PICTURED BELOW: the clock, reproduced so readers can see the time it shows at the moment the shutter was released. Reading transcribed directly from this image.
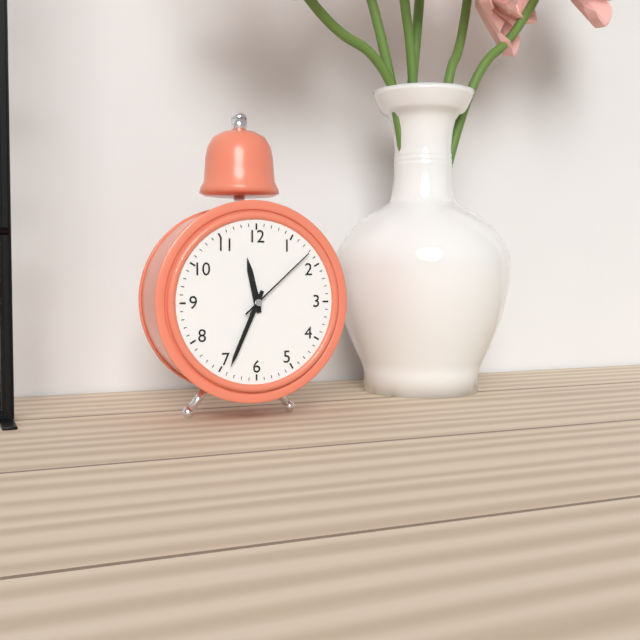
11:34:08
